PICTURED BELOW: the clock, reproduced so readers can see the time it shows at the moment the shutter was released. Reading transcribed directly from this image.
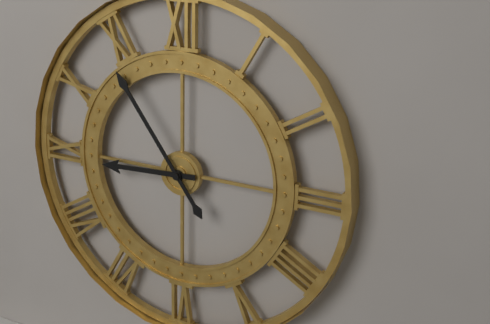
8:54
